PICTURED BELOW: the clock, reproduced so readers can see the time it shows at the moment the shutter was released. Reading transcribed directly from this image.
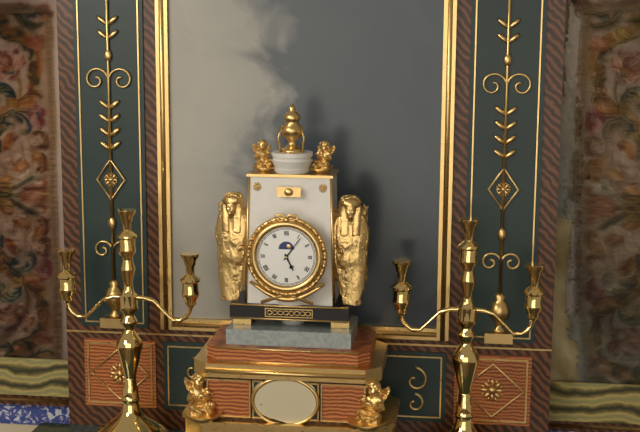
5:06
